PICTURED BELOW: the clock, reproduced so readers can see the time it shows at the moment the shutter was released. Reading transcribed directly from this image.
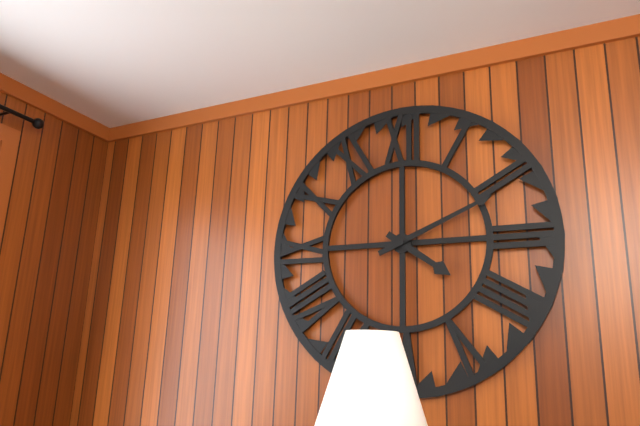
4:11
